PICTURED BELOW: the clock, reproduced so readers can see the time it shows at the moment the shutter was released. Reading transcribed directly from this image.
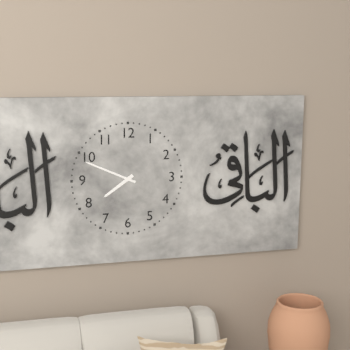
7:49
